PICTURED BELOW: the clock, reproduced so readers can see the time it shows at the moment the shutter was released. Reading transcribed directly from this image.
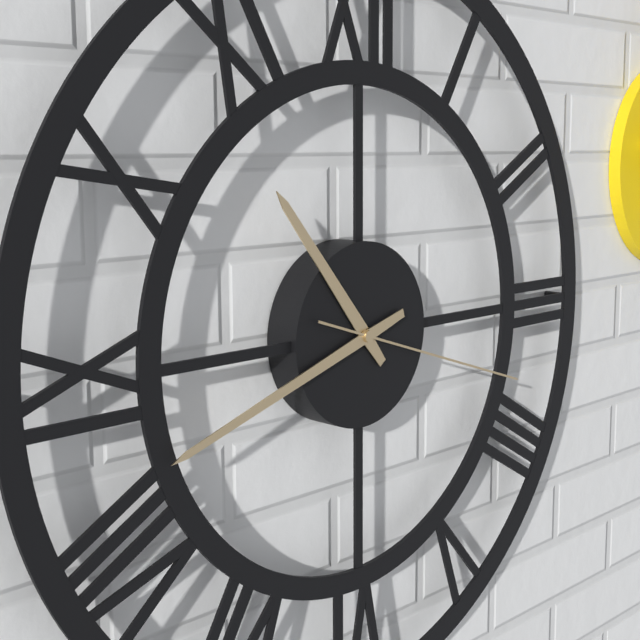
10:42:18
